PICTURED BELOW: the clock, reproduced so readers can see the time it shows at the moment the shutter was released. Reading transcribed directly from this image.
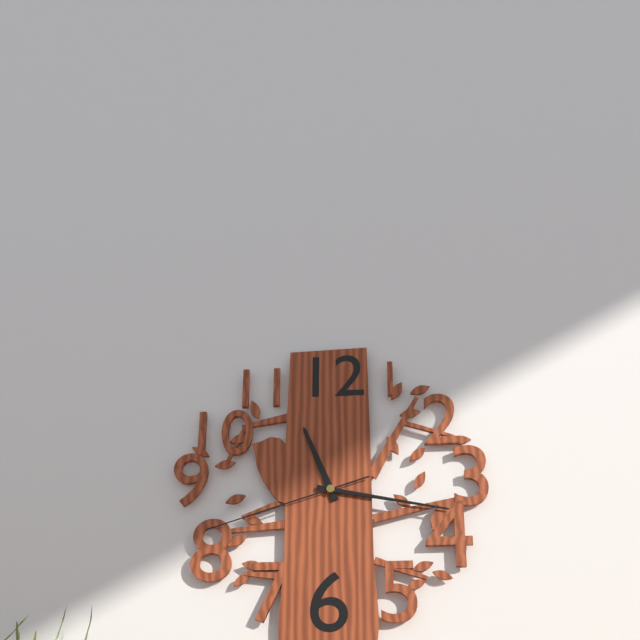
11:17:42
